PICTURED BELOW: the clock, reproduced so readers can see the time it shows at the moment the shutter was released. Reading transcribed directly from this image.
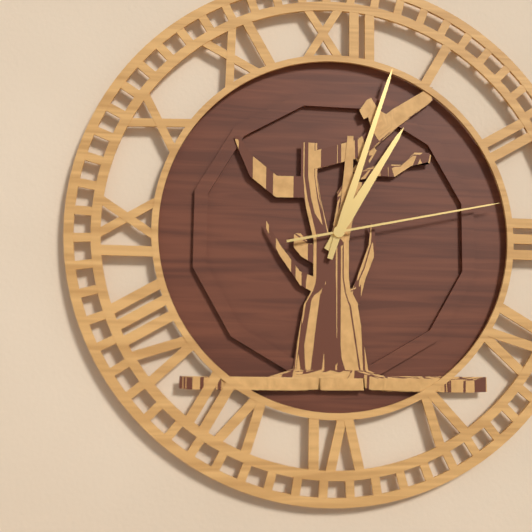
1:03:13
